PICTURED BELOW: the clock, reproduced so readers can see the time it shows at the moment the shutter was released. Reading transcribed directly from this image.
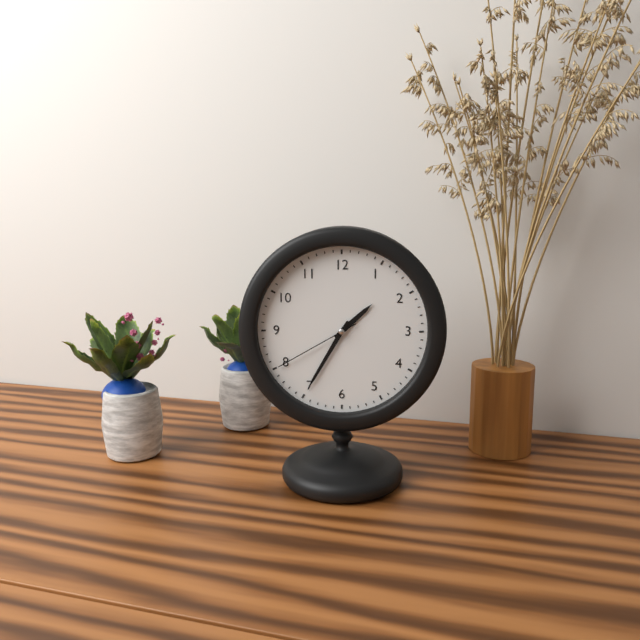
1:35:40
